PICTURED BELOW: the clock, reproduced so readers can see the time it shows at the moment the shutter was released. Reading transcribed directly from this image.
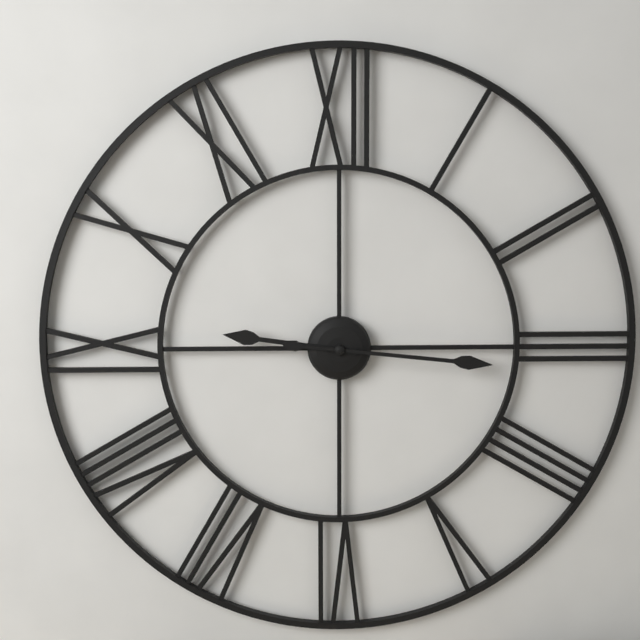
9:16
